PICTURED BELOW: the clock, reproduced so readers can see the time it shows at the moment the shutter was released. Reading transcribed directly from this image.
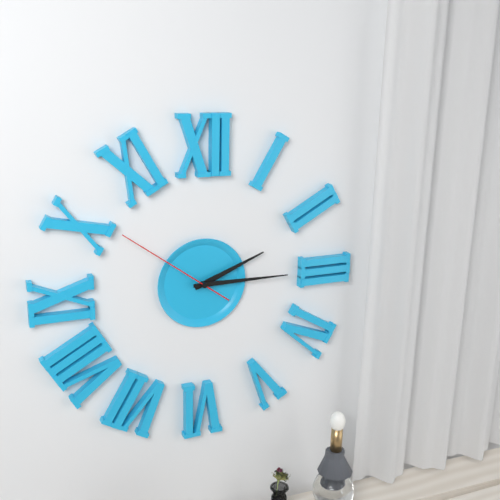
2:15:51
